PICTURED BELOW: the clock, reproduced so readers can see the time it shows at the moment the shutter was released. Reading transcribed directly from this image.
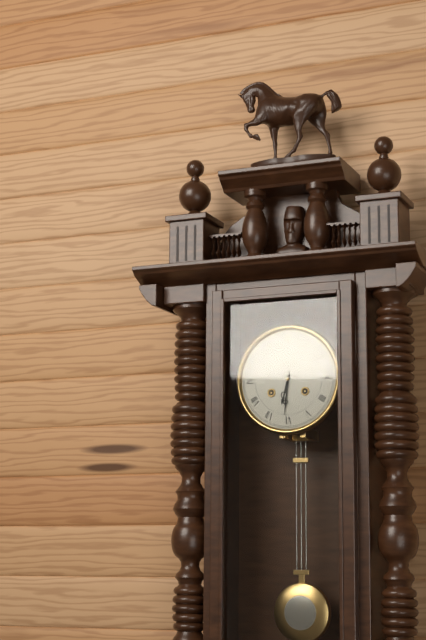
6:31
